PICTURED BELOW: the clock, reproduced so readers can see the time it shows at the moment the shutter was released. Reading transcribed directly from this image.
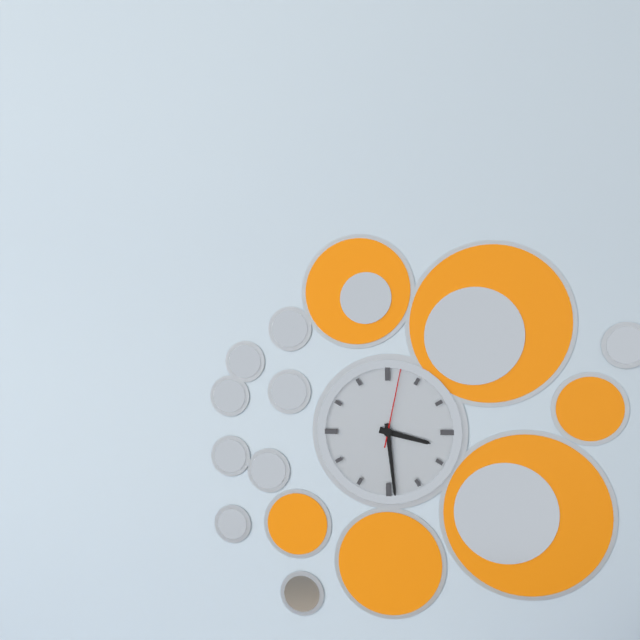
3:29:02
